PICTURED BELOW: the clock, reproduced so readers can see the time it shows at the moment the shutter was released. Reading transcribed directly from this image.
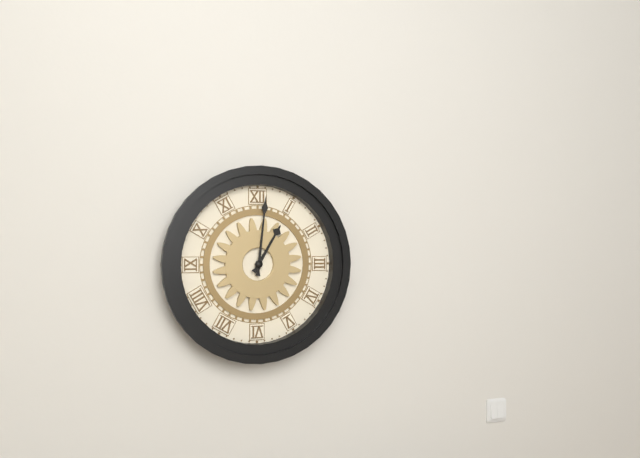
1:01
